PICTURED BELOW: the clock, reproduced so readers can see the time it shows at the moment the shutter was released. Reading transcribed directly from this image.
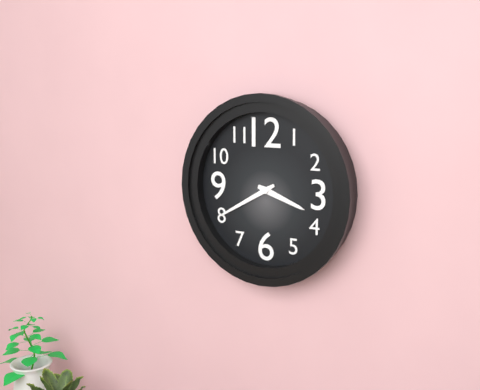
3:40
